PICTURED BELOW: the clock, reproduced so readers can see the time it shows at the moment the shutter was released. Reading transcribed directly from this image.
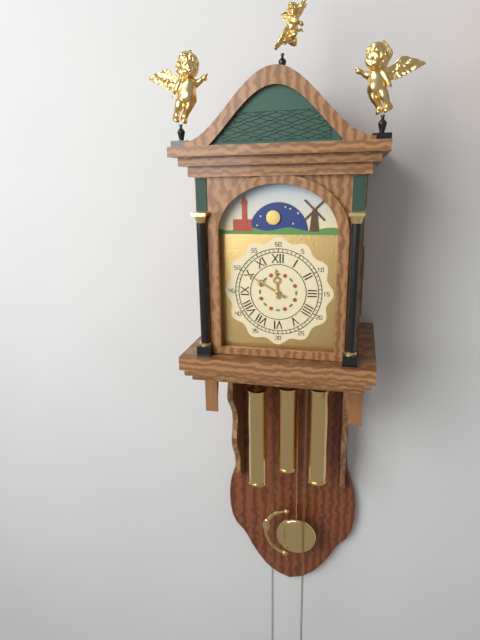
11:50
